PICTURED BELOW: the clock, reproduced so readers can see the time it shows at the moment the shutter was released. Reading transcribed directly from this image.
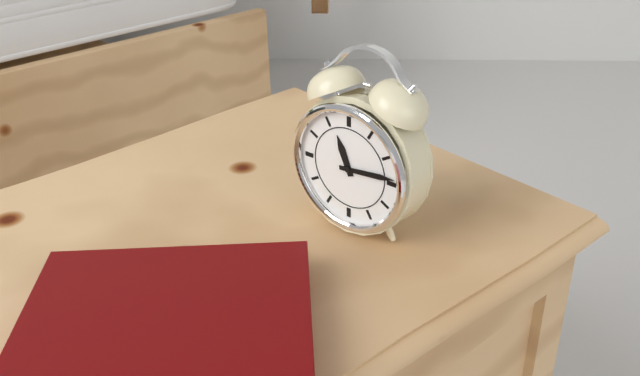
11:14
